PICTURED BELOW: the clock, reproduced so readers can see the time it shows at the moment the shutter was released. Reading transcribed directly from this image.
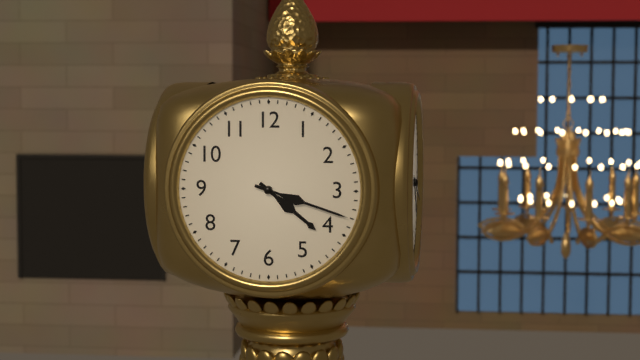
4:18
